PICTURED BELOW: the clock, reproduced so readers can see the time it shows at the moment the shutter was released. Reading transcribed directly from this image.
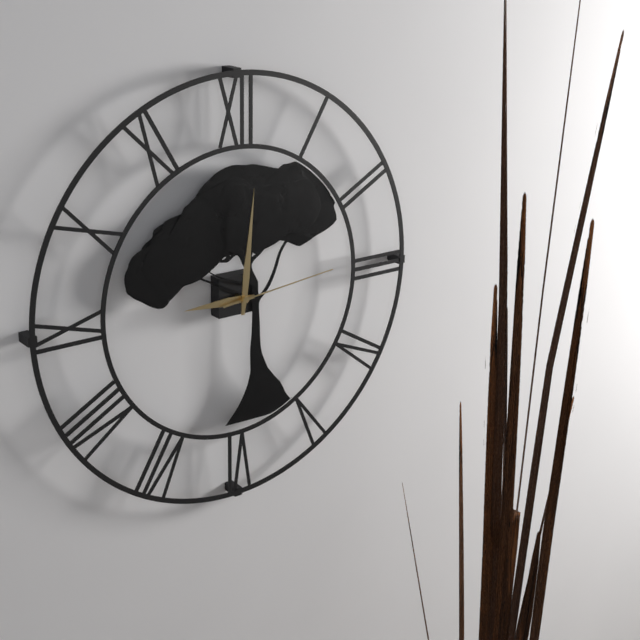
9:01:14
